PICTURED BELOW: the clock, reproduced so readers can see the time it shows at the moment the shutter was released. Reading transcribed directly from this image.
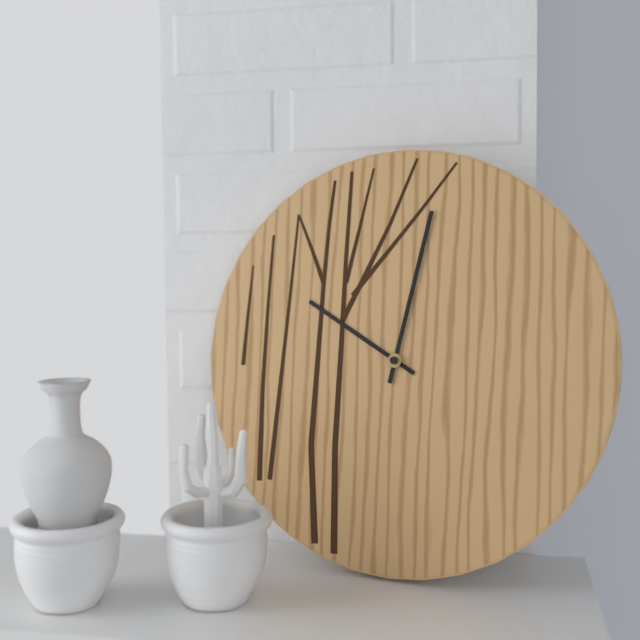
10:02
